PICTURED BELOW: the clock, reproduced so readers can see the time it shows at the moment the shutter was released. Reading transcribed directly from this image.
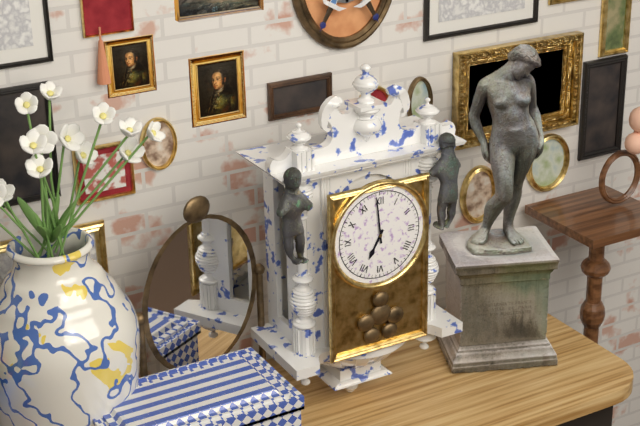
6:59
